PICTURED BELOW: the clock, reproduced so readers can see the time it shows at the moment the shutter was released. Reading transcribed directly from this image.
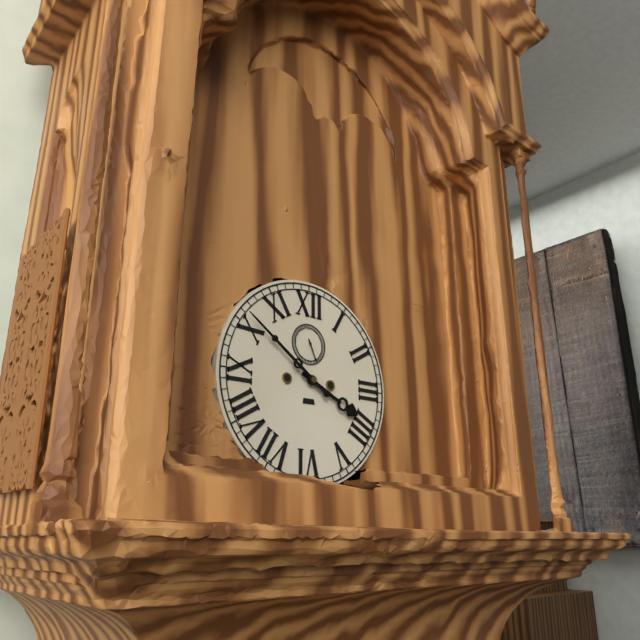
3:51
